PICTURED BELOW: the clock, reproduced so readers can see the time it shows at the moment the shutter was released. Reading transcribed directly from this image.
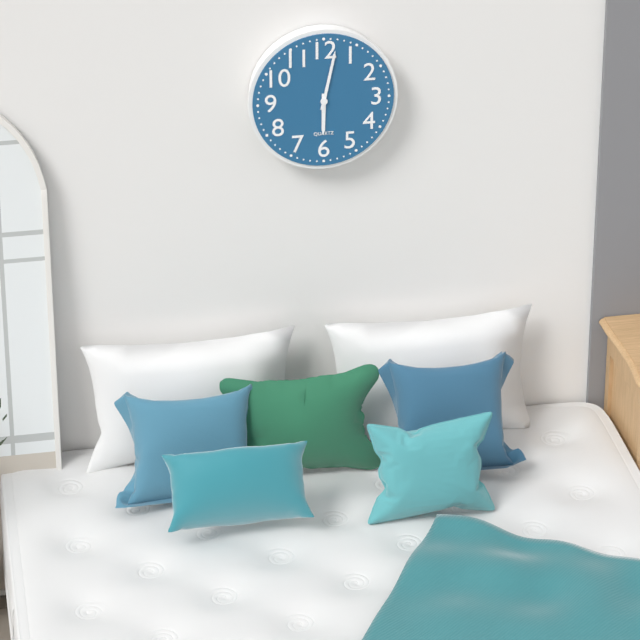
6:02
